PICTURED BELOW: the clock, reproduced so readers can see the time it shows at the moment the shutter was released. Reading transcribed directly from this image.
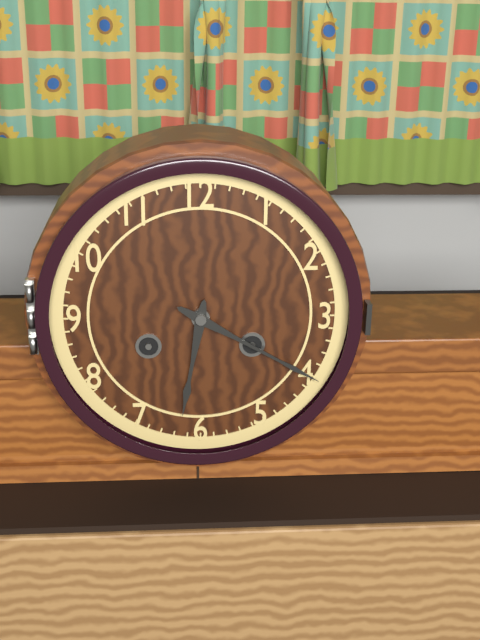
6:20
